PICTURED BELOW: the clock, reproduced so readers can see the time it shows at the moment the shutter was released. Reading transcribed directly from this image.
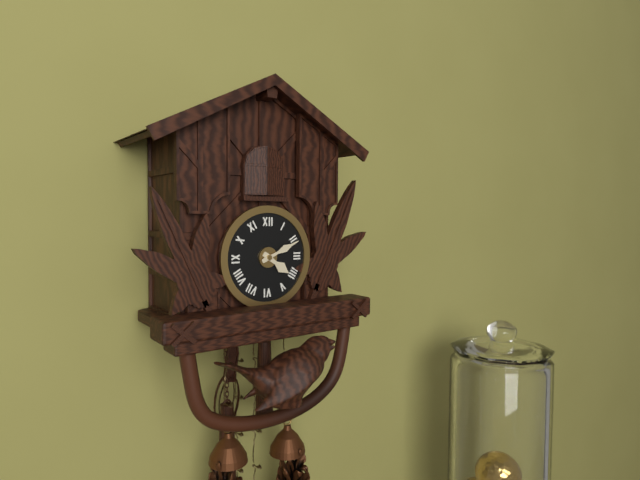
4:11
